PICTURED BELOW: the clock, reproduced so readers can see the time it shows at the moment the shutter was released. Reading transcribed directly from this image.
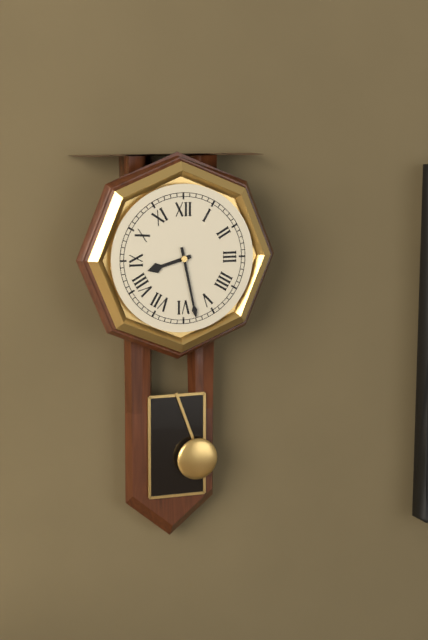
8:28
